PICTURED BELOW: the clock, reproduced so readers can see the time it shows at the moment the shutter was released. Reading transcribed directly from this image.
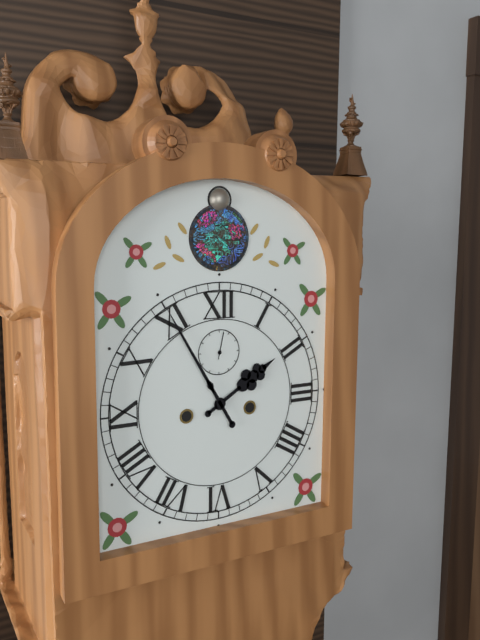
1:55
